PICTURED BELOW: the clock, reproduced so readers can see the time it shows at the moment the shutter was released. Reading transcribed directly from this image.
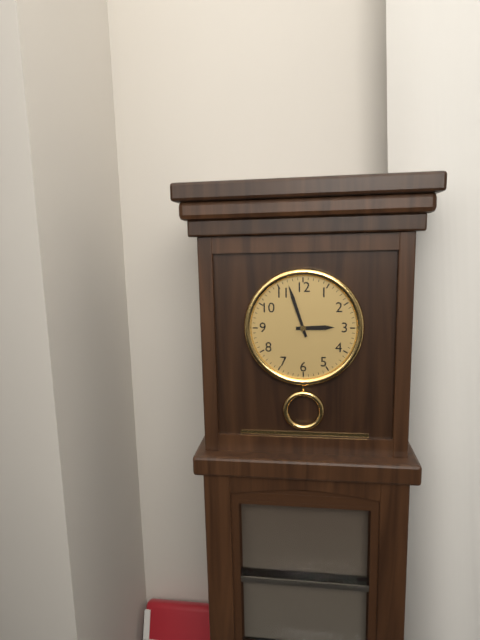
2:57
